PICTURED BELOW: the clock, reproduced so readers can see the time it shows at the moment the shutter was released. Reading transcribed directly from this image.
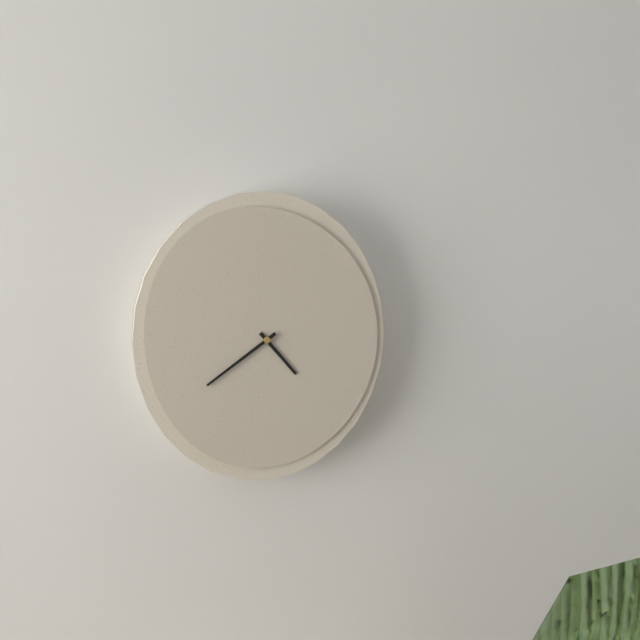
4:39
